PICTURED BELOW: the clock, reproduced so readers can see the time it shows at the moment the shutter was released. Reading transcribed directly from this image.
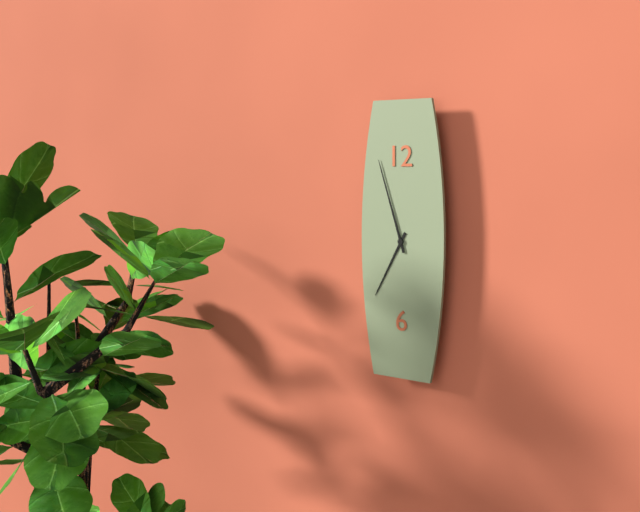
6:57
